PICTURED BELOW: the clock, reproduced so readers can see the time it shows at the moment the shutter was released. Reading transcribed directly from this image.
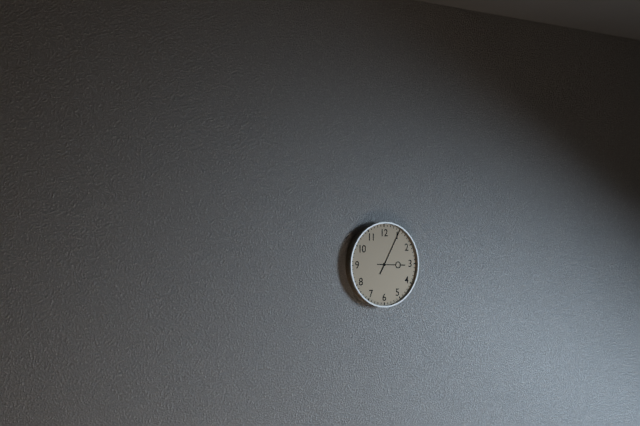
3:05
